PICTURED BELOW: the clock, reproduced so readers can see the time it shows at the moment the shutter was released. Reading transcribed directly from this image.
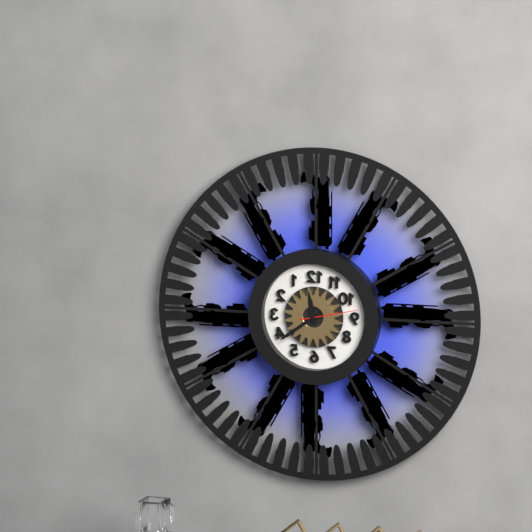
11:39:13
